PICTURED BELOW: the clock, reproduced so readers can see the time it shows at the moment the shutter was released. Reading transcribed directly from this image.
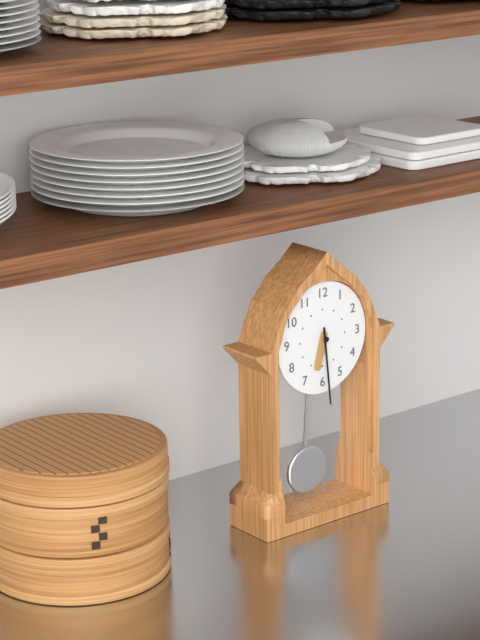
6:29
